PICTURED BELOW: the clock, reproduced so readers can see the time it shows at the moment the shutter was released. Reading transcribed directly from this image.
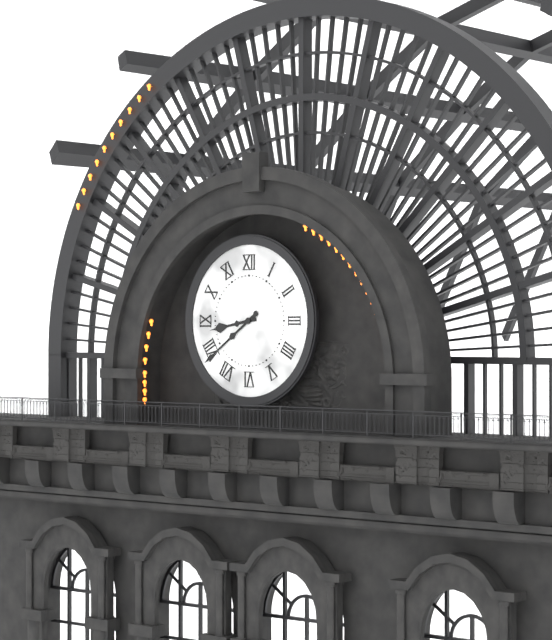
8:39
